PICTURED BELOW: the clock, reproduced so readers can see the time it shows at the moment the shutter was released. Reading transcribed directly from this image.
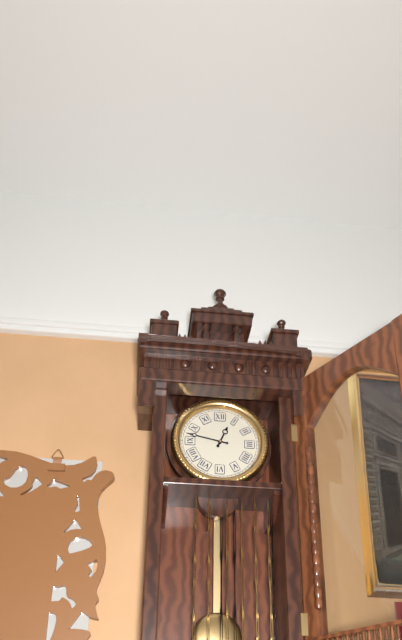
12:47
